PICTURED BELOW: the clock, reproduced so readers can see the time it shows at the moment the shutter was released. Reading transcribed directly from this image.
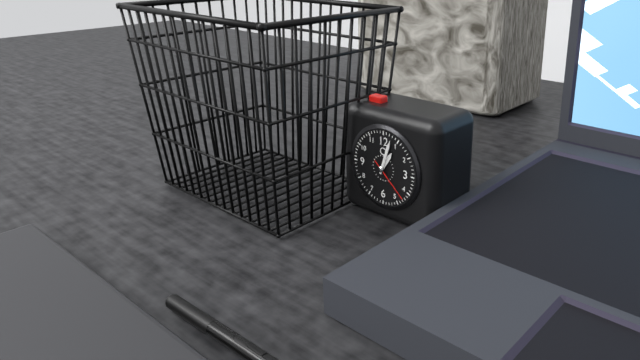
1:03
